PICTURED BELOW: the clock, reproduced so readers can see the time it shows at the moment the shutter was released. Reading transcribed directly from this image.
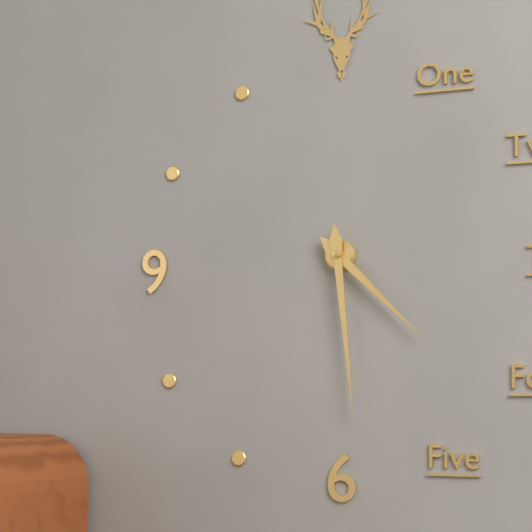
4:29
